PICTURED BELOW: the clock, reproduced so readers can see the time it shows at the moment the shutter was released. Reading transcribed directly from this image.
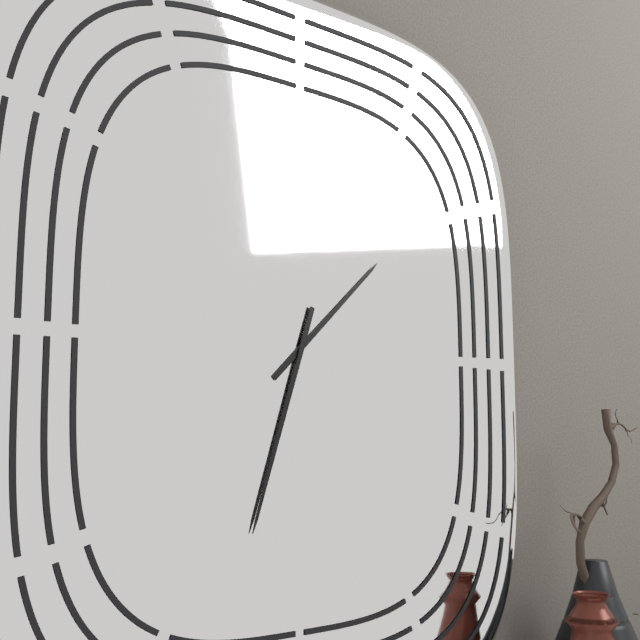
1:33
